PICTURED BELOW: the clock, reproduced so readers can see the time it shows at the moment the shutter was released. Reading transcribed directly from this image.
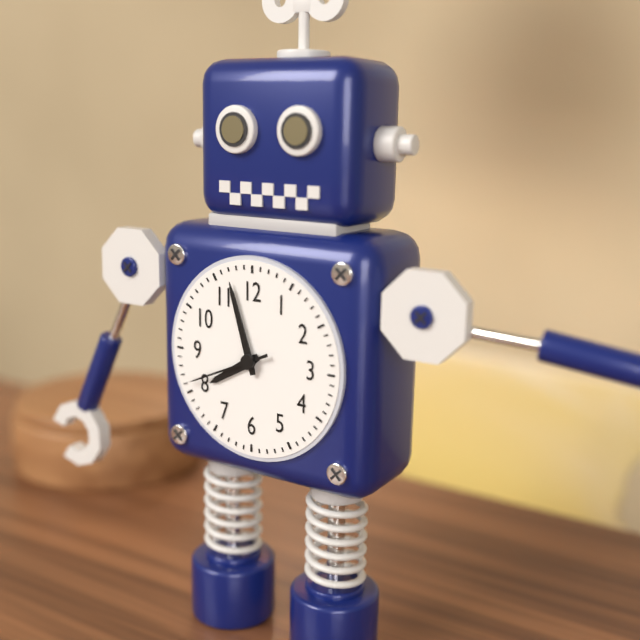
7:57:41
